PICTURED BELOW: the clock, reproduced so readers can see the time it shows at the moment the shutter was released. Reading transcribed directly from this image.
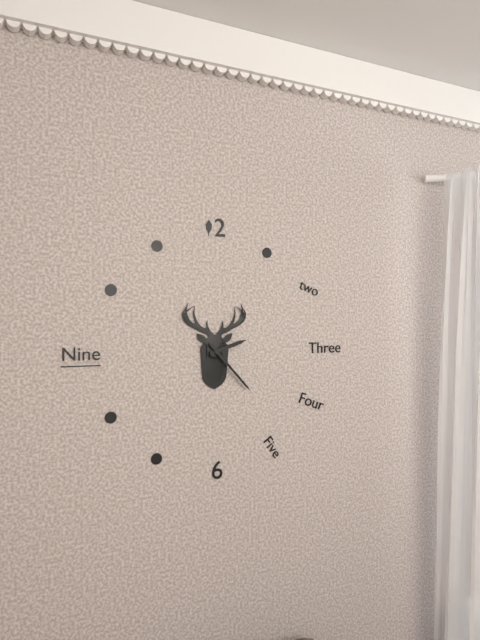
2:23
